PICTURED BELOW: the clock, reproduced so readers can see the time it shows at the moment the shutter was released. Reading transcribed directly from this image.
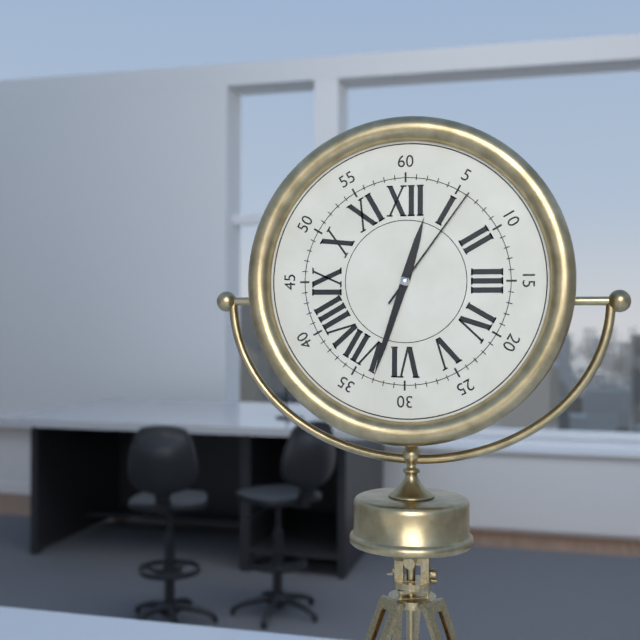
12:33:06
